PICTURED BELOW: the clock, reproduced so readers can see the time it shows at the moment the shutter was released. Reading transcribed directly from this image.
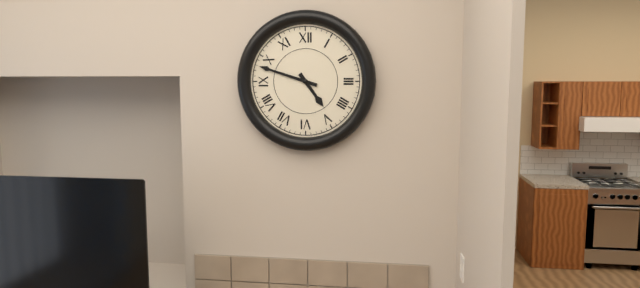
4:48
